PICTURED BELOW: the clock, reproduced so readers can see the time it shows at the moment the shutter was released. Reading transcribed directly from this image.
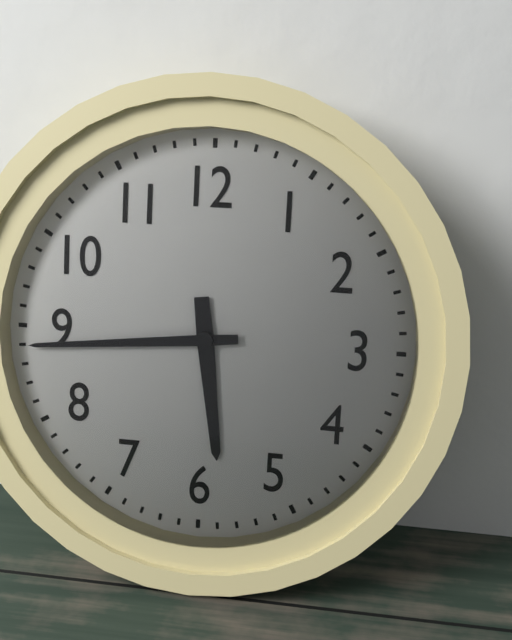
5:44
